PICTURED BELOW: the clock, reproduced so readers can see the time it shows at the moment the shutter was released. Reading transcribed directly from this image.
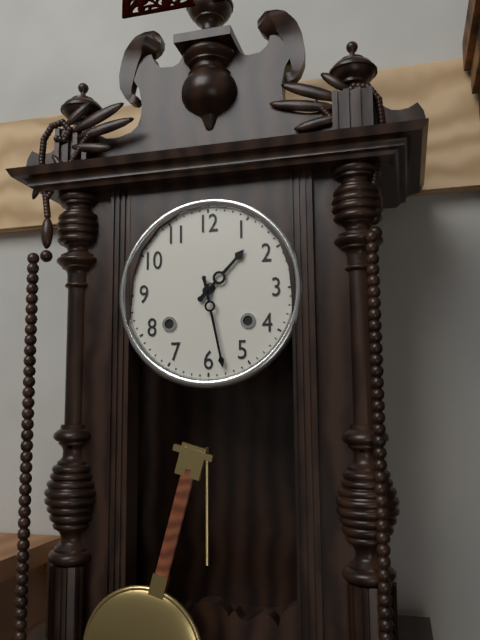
1:28
